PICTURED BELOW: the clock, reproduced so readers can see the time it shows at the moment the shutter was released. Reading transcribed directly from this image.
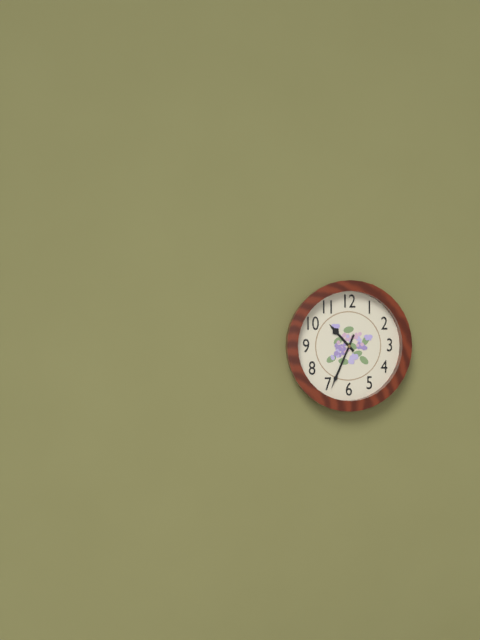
10:34
